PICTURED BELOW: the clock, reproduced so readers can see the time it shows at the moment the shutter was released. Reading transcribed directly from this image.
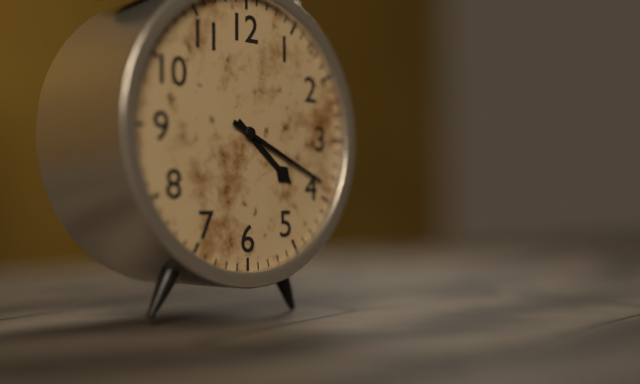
4:19
